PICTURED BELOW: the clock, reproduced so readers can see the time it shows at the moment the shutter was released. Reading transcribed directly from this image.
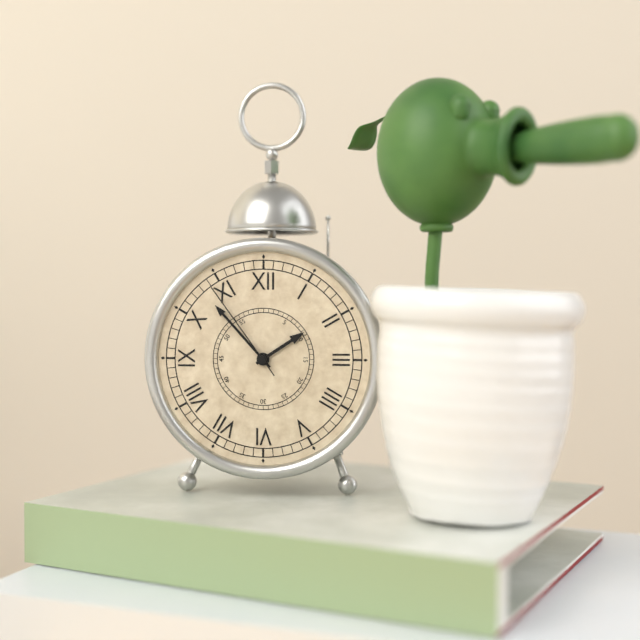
1:53:54
